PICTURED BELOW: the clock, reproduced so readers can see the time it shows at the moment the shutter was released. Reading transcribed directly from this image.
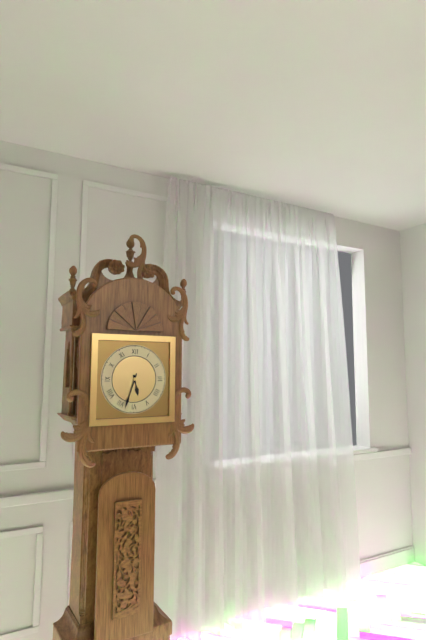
5:33
